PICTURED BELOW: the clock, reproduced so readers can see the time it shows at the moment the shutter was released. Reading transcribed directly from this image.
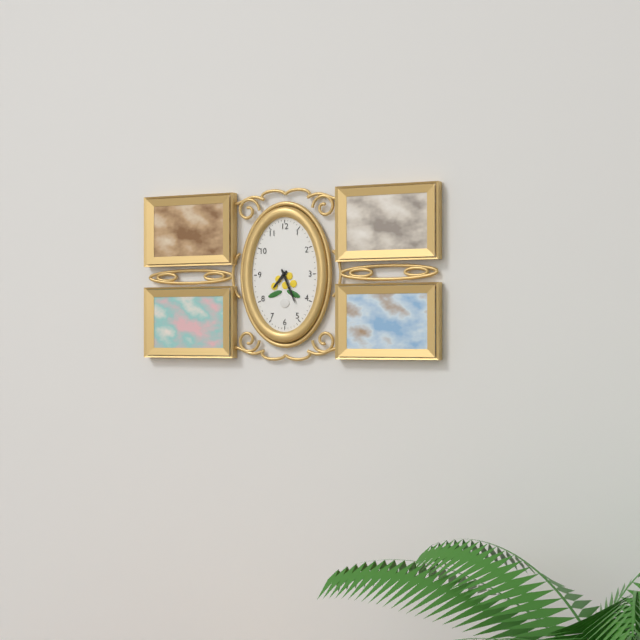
7:26
